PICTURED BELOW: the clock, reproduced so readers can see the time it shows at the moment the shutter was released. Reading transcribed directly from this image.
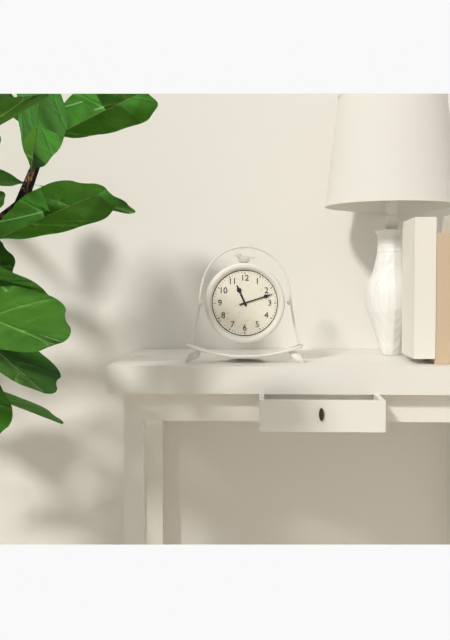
11:12
